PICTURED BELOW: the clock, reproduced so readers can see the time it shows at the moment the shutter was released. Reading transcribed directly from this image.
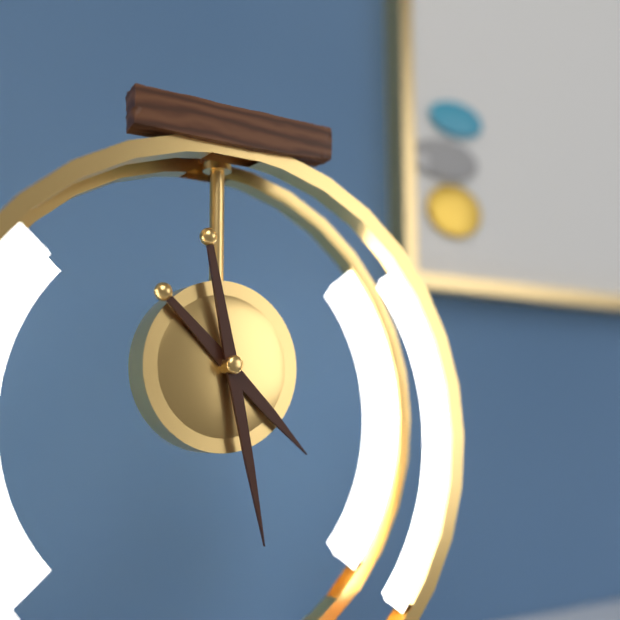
4:28
